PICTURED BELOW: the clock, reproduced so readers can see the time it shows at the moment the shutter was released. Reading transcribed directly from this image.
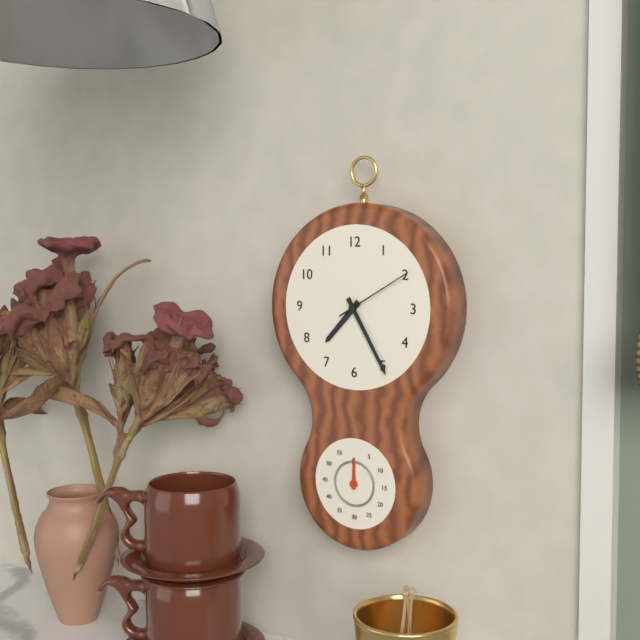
7:25:10
